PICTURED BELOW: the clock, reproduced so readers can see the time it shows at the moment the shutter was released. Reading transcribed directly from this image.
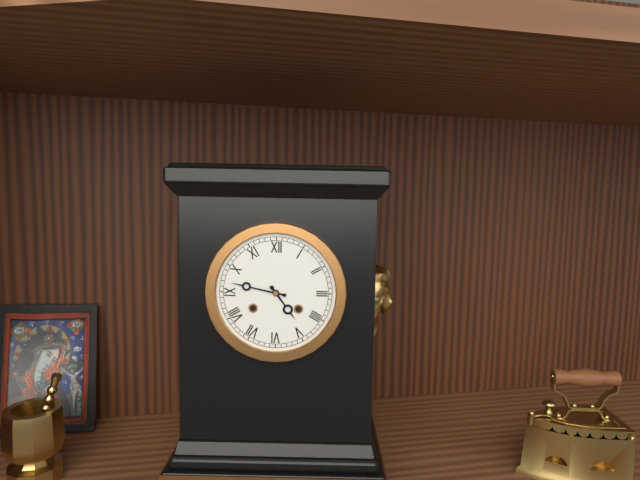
4:47
